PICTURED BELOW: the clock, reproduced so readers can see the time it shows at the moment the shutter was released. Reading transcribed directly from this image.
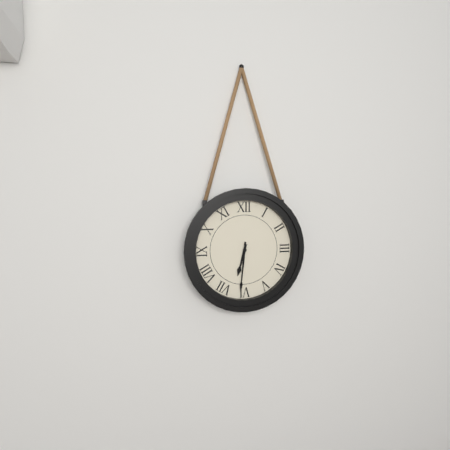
6:31
